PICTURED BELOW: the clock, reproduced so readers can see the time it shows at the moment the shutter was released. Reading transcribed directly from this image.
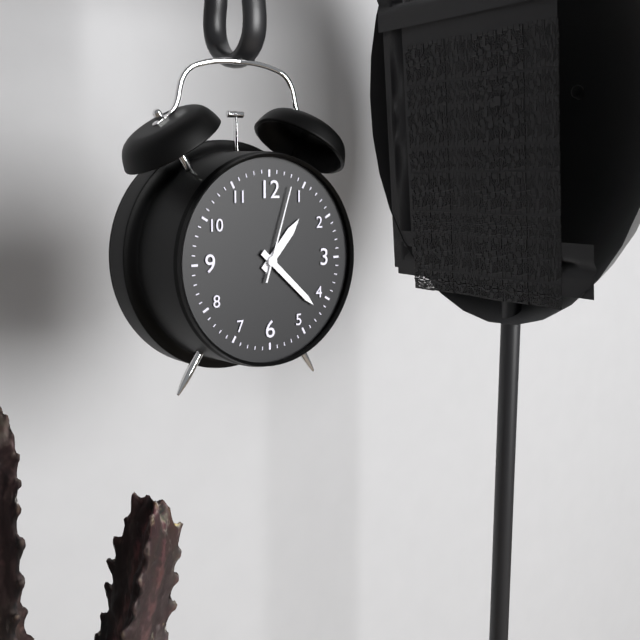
1:22:03
